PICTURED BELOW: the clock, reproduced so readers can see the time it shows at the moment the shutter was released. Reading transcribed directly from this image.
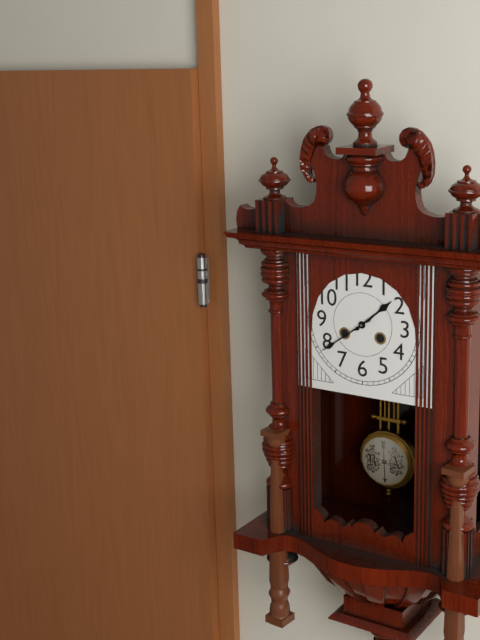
1:39
